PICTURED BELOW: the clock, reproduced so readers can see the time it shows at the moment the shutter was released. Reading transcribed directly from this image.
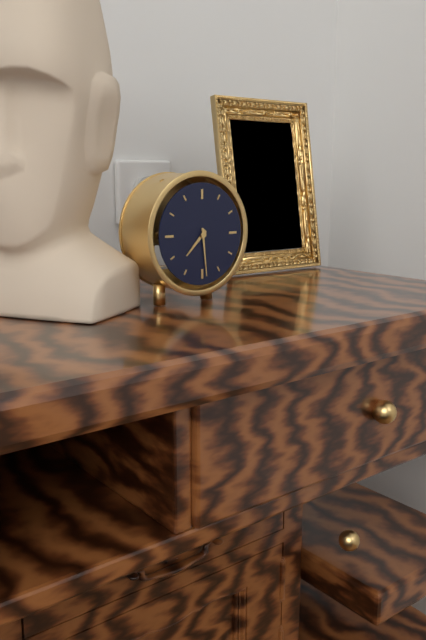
7:29
